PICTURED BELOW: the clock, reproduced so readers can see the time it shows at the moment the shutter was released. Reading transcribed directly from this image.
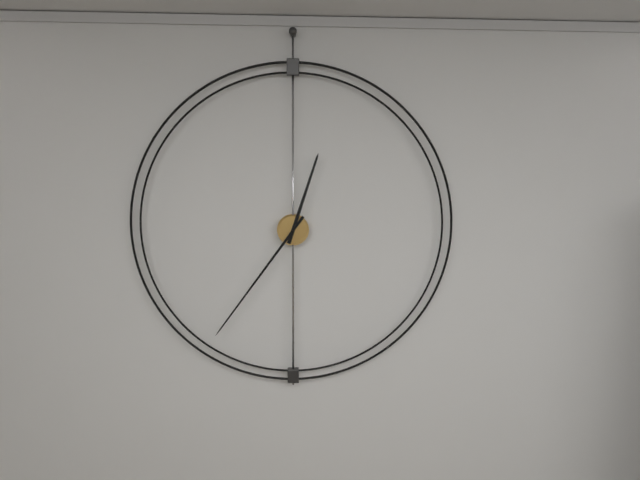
12:36
